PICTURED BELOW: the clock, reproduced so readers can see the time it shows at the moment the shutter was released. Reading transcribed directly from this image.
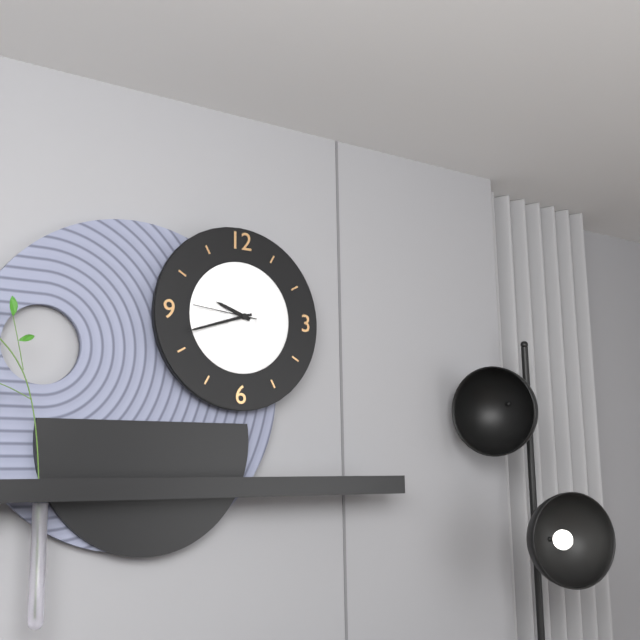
9:42:46
